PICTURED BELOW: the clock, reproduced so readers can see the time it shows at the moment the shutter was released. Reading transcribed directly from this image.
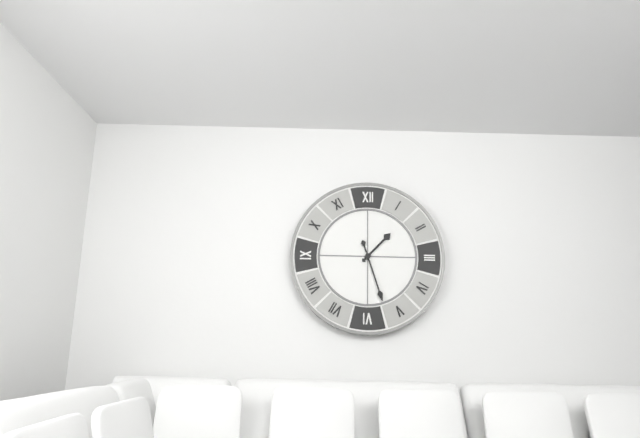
1:27
